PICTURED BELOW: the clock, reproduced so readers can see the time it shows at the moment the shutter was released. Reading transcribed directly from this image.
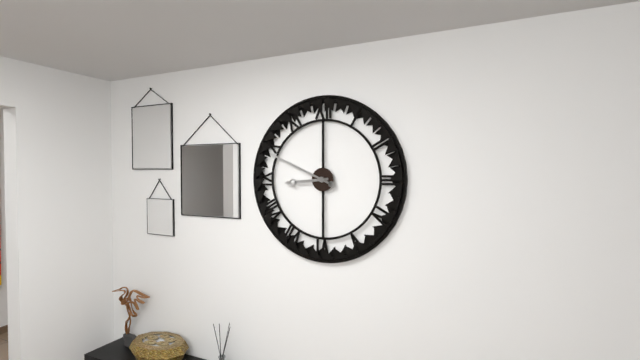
8:49
